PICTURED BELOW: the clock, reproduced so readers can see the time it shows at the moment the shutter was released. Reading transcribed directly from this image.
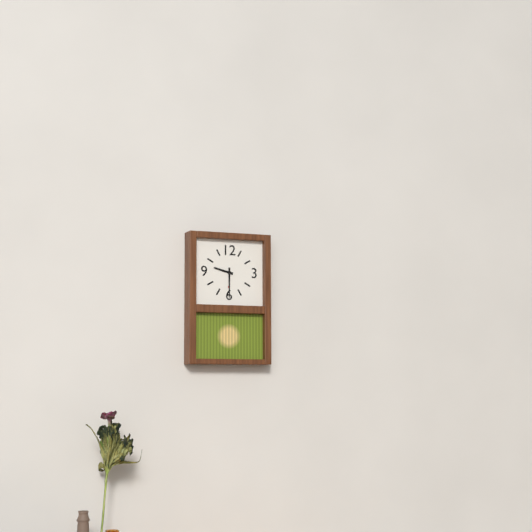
9:30
